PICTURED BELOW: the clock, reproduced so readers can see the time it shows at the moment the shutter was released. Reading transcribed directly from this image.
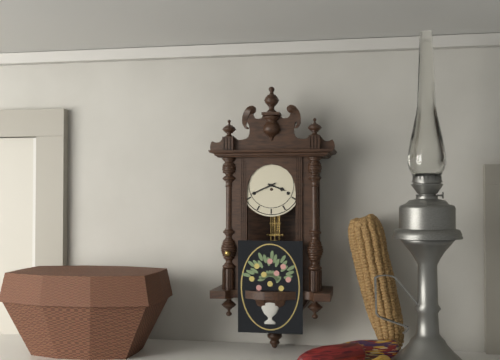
3:41
